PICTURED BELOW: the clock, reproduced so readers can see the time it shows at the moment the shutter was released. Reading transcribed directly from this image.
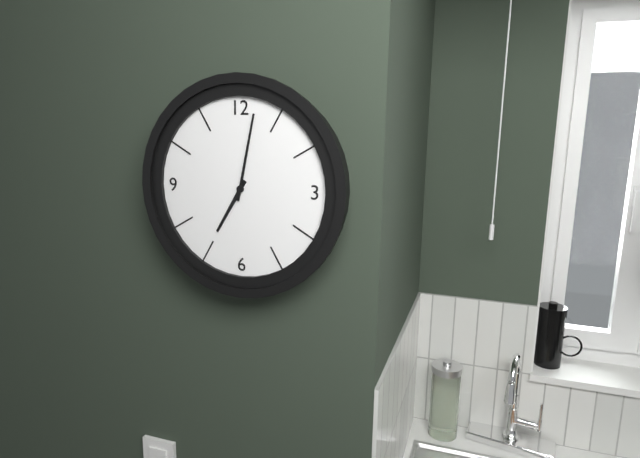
7:02
